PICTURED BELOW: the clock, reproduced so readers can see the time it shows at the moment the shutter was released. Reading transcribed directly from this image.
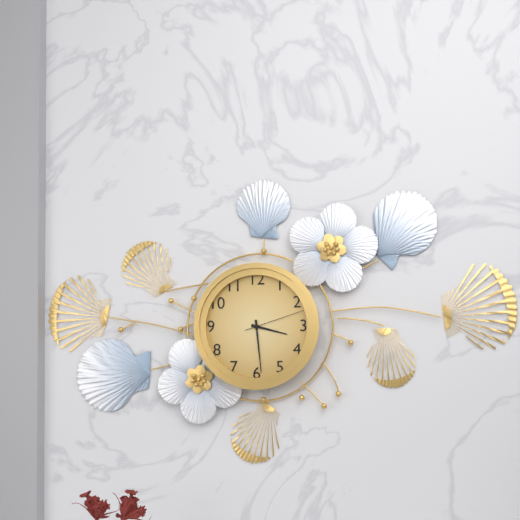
3:29:12
